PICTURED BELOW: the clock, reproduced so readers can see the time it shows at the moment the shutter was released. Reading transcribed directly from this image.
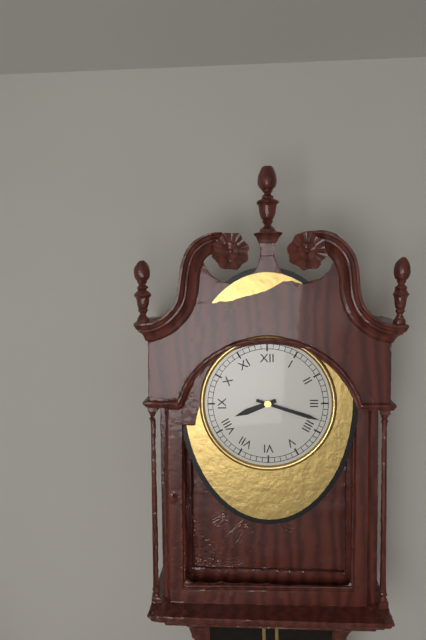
8:18
